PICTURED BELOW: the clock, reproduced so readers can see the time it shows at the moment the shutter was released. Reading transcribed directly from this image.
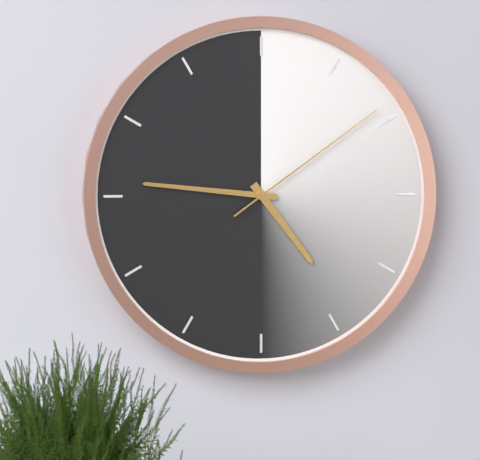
4:46:09
